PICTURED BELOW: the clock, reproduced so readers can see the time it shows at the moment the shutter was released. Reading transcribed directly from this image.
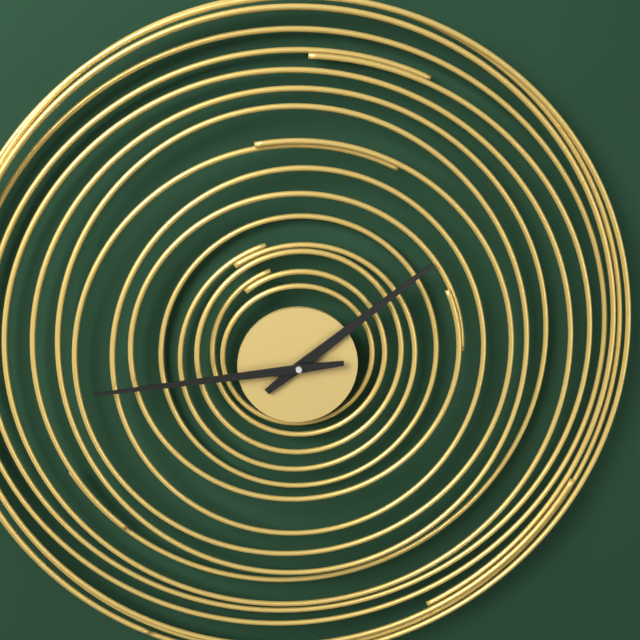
1:44
